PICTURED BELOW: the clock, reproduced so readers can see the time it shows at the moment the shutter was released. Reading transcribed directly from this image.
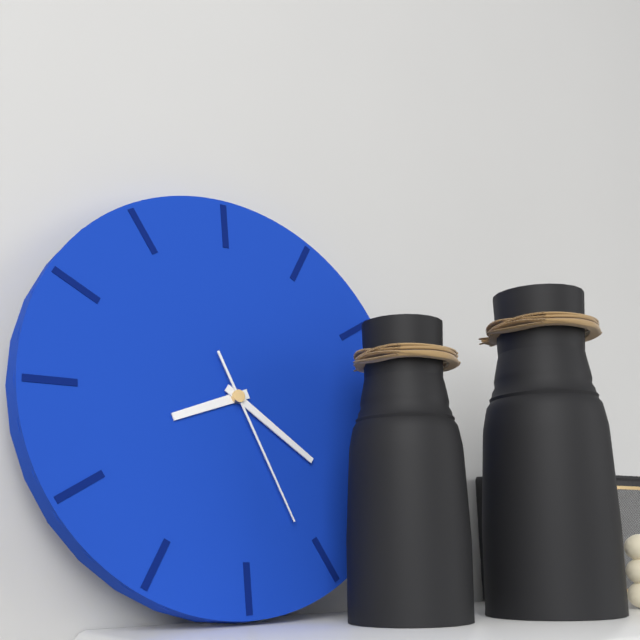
8:21:26
